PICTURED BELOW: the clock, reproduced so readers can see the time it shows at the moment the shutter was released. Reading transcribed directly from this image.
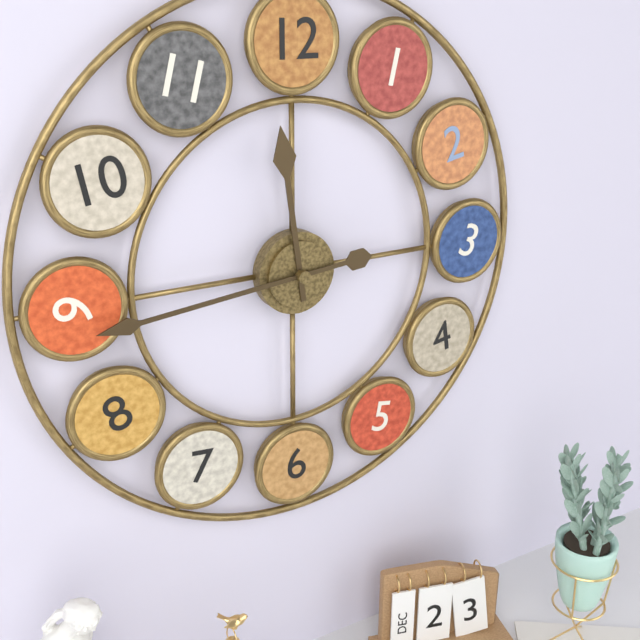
11:44
